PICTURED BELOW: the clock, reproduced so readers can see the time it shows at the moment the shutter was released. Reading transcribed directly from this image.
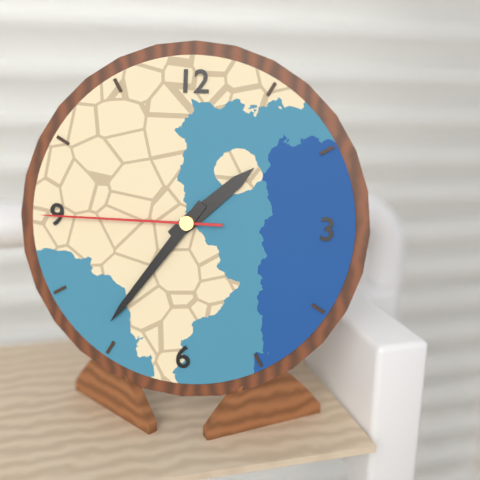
1:36:45
